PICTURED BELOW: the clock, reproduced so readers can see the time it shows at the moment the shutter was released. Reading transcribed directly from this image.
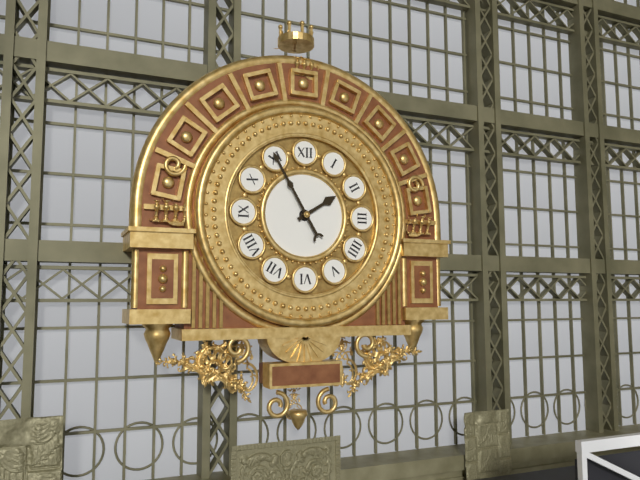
1:55
